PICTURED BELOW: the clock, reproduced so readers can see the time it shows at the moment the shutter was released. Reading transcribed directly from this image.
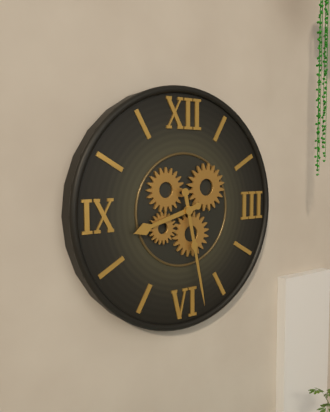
8:28
